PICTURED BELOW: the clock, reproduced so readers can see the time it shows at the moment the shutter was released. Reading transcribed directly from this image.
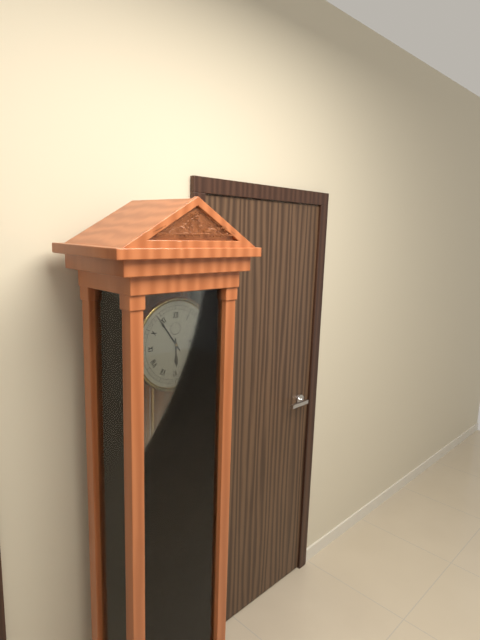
5:54
